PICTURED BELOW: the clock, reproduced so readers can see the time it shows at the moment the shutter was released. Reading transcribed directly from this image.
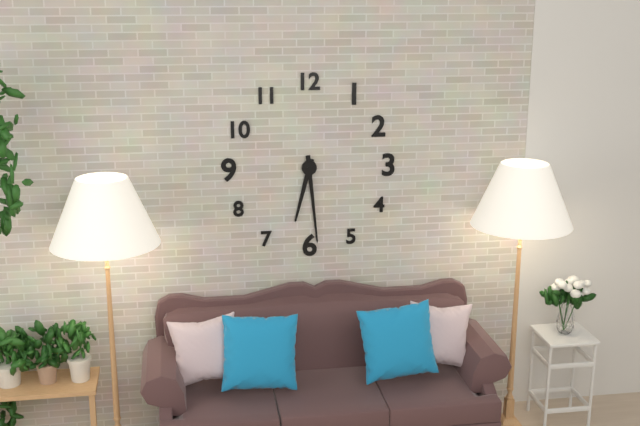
6:29
